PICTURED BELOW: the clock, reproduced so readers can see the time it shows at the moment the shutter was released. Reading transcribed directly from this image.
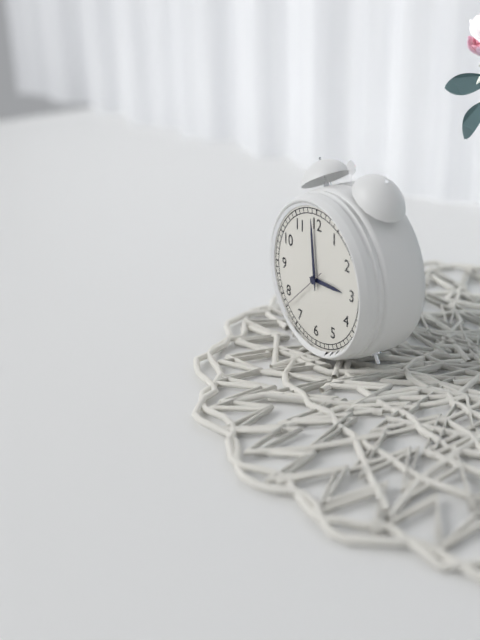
2:59
